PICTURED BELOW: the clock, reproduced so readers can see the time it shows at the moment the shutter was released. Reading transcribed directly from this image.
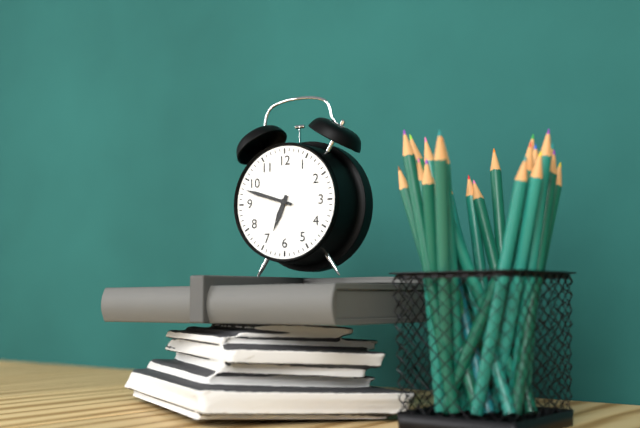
6:48
